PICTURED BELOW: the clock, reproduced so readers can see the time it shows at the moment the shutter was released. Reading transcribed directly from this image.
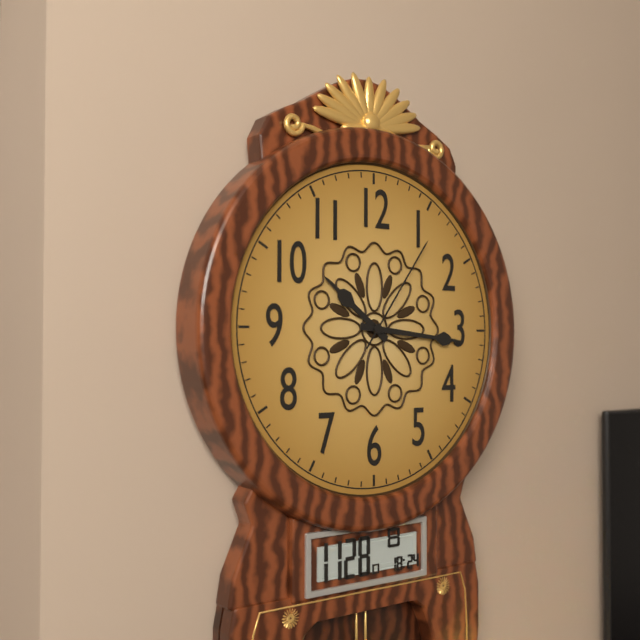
10:16:06
